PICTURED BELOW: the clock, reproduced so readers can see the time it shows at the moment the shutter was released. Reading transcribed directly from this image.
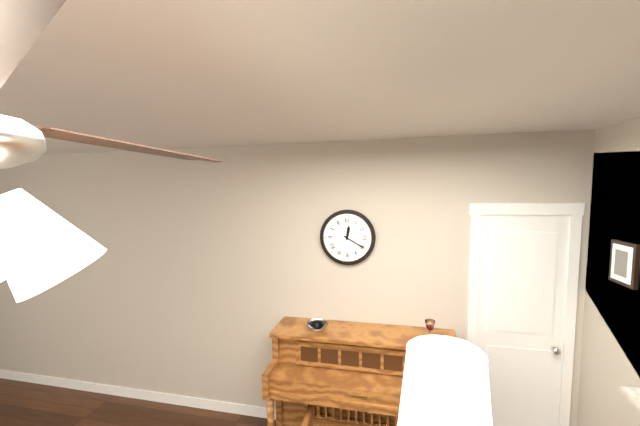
12:20
